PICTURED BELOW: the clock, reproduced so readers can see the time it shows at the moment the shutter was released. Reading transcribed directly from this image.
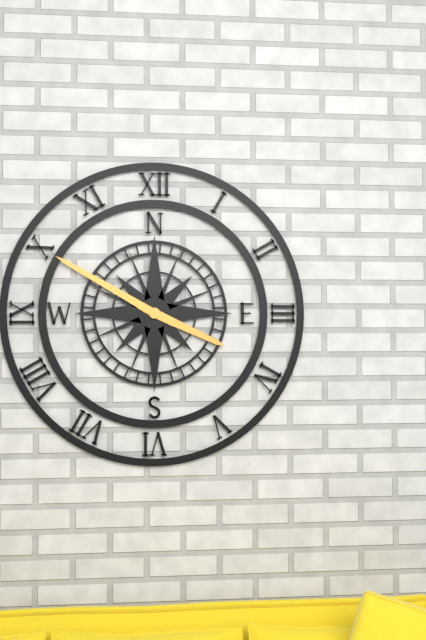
3:50
